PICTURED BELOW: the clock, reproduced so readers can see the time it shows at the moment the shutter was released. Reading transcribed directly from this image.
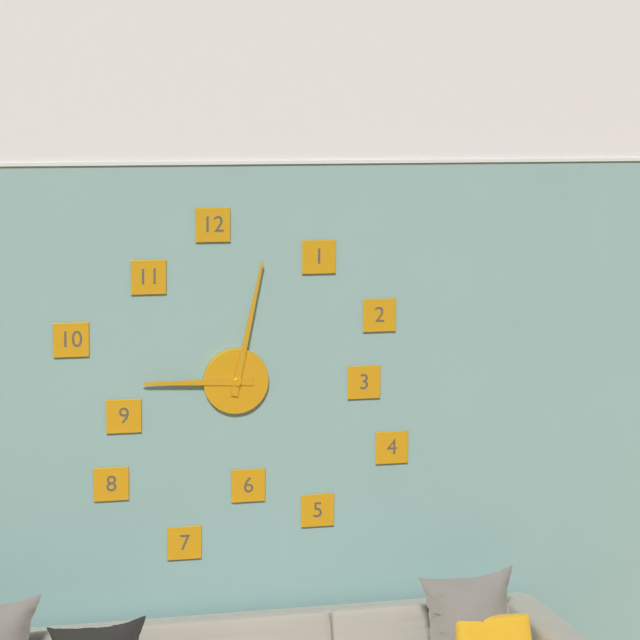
9:02
